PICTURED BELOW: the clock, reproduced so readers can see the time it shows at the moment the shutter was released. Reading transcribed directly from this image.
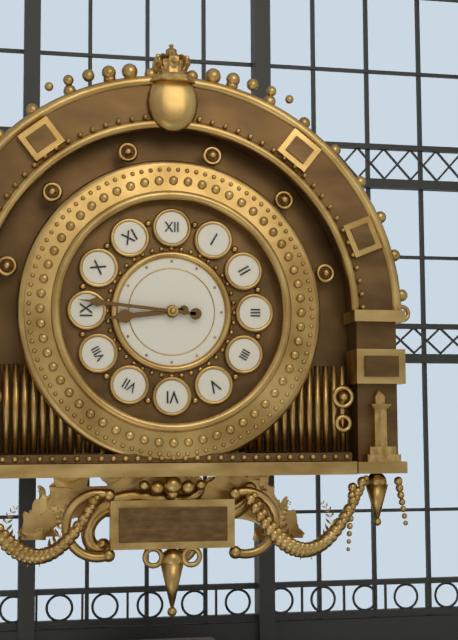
8:46
